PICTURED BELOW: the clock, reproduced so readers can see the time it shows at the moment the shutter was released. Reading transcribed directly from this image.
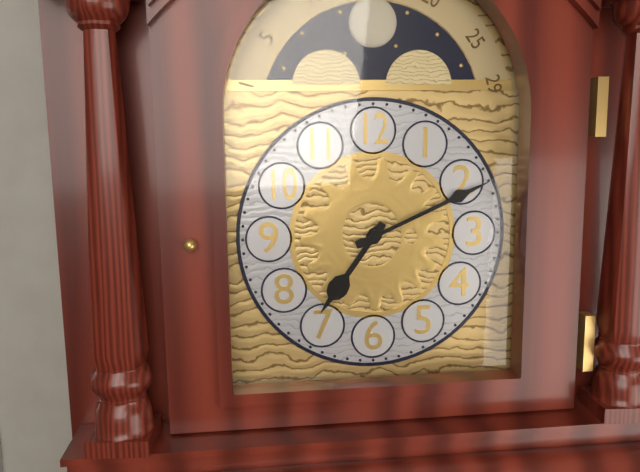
7:11
